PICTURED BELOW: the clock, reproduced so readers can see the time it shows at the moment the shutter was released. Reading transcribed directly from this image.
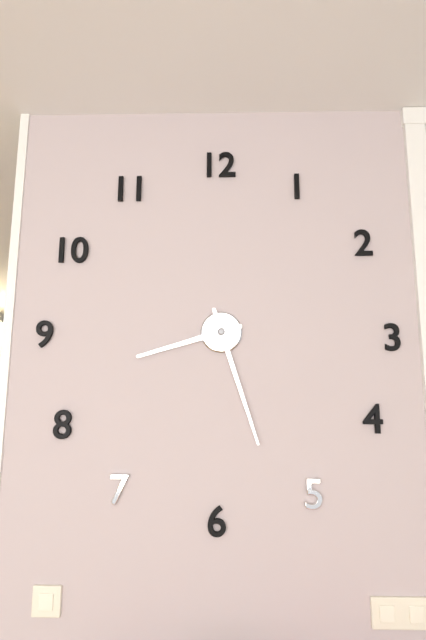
8:27
